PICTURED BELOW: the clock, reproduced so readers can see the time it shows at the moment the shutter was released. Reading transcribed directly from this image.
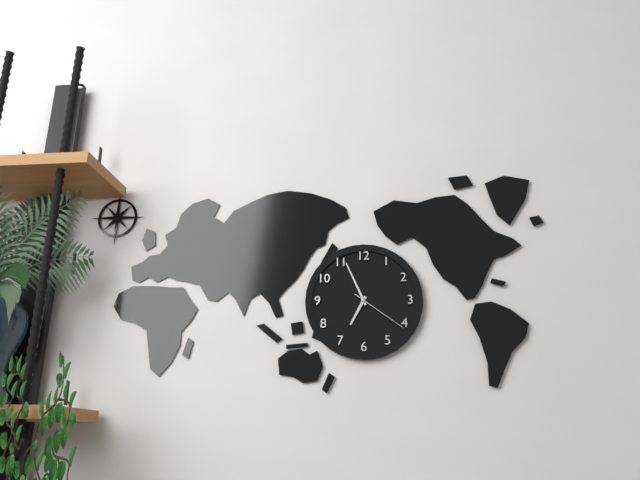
6:56:21
